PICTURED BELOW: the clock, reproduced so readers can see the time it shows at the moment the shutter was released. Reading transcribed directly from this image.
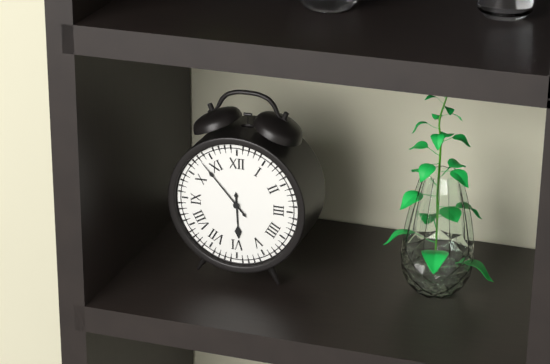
5:53
